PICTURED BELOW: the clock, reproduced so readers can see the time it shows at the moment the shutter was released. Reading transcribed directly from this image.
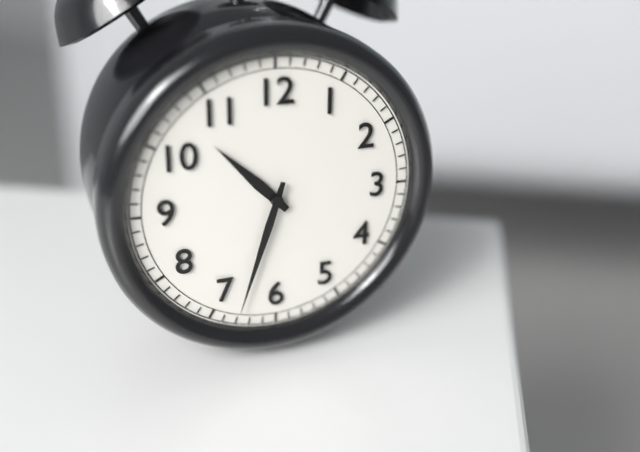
10:33
